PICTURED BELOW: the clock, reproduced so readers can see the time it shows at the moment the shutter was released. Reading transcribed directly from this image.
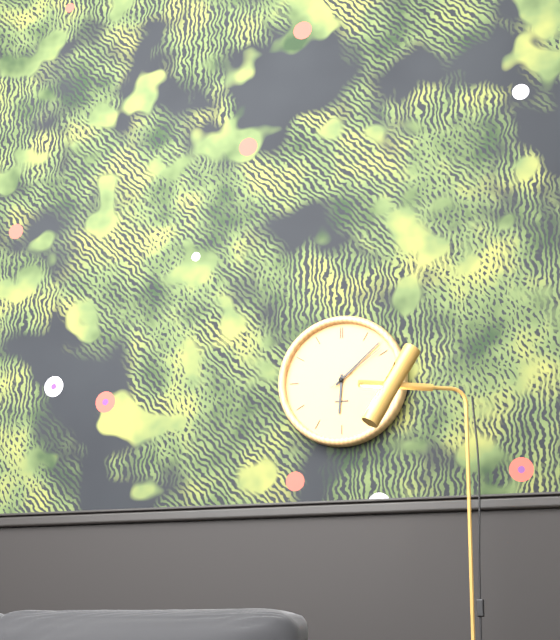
6:08:09
